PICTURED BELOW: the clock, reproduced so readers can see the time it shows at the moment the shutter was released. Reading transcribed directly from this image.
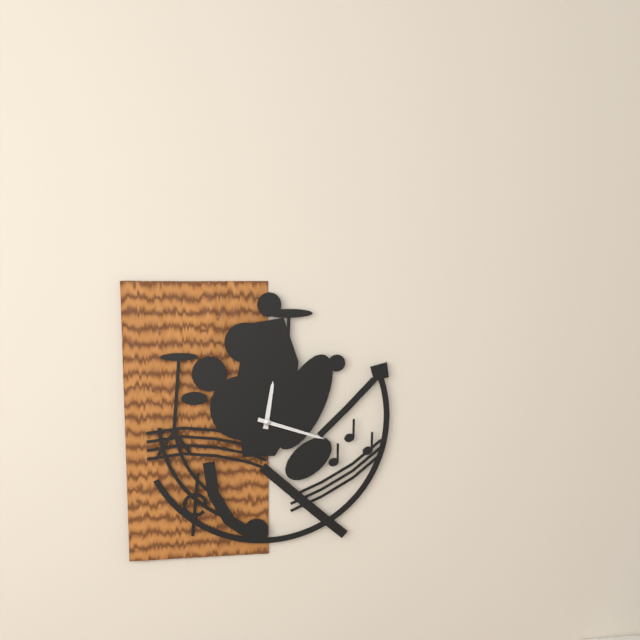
12:18
